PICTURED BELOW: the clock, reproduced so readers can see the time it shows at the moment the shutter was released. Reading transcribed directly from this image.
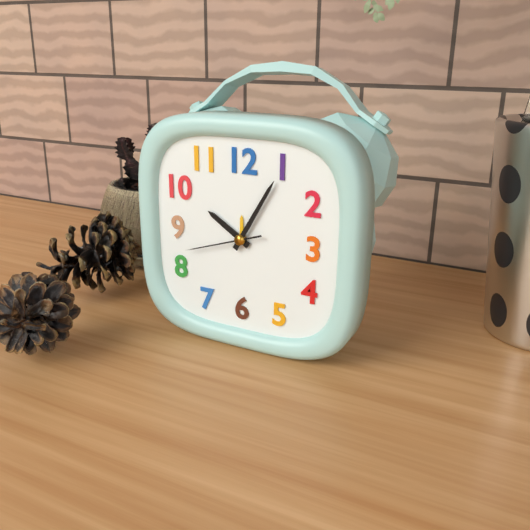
10:05:42
